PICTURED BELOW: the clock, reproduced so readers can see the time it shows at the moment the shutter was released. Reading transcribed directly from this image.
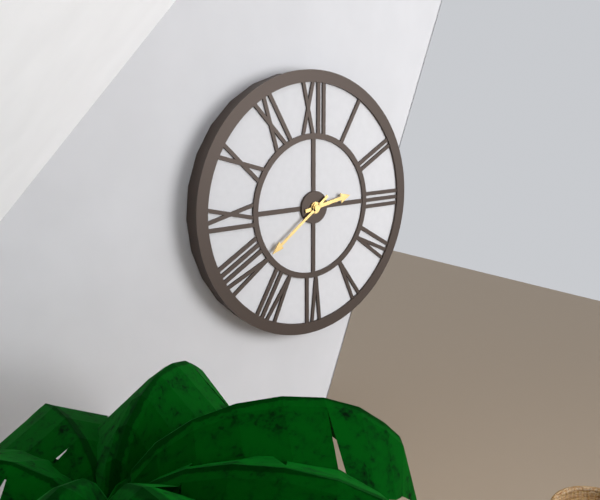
2:39
